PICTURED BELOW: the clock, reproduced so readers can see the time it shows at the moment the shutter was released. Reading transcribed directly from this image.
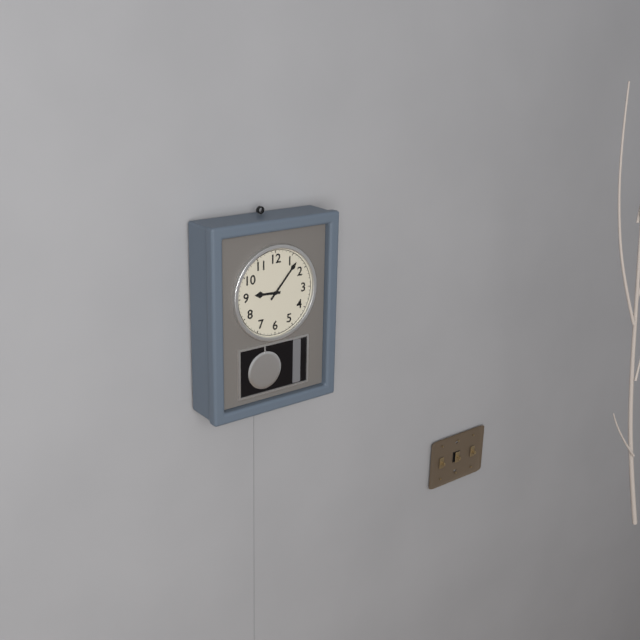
9:07
